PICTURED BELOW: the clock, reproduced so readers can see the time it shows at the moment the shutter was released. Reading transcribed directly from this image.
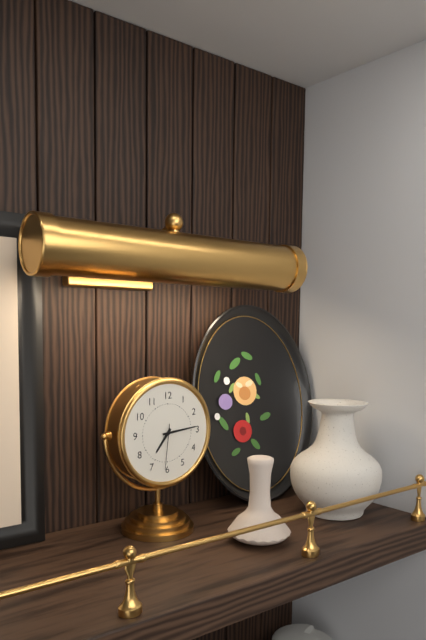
7:14
